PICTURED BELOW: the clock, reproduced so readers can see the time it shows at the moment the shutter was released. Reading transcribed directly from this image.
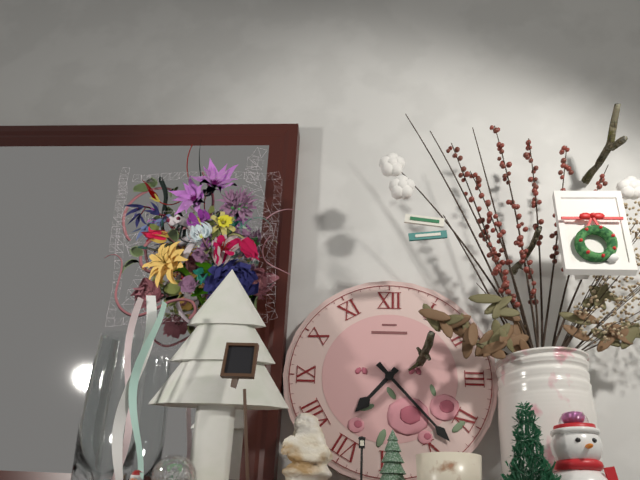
7:23
